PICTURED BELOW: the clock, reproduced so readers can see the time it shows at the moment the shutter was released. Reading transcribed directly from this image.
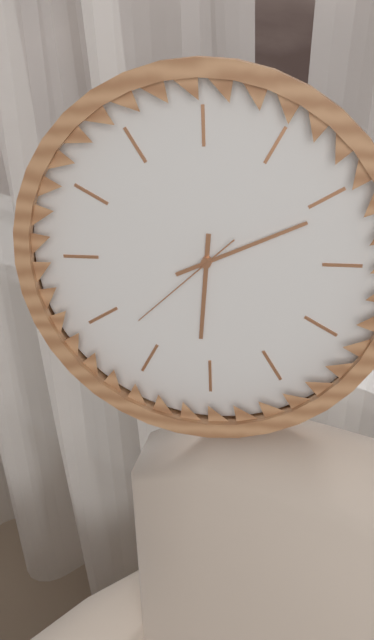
6:11:38
